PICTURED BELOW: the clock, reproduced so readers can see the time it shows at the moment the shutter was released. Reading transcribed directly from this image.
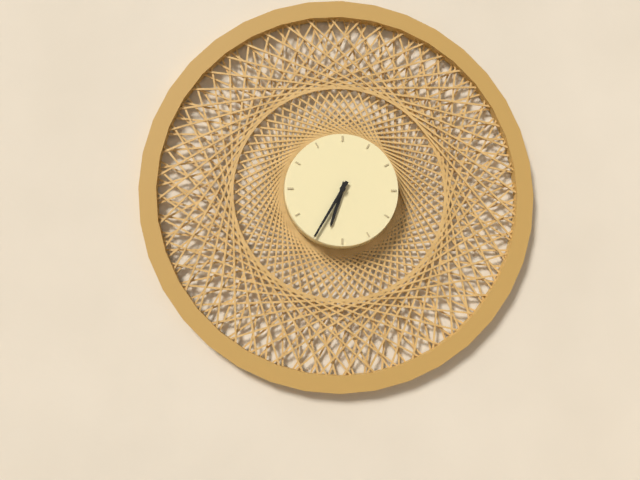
6:35
